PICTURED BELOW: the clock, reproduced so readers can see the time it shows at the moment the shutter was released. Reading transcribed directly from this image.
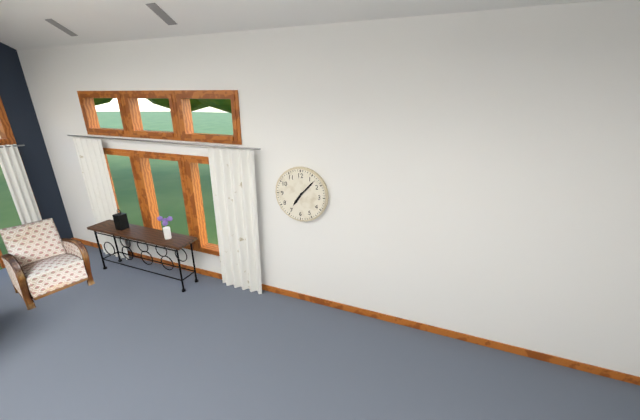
7:07
